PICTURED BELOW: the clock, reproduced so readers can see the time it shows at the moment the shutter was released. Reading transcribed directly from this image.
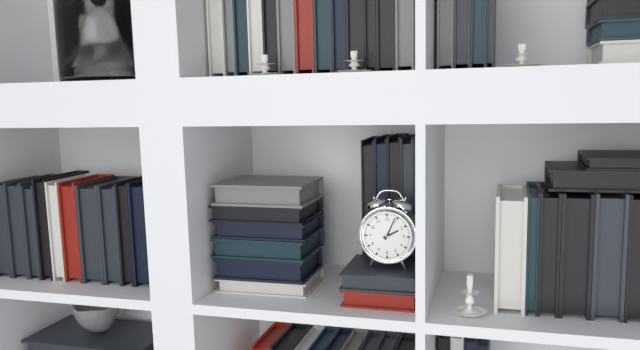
2:04
